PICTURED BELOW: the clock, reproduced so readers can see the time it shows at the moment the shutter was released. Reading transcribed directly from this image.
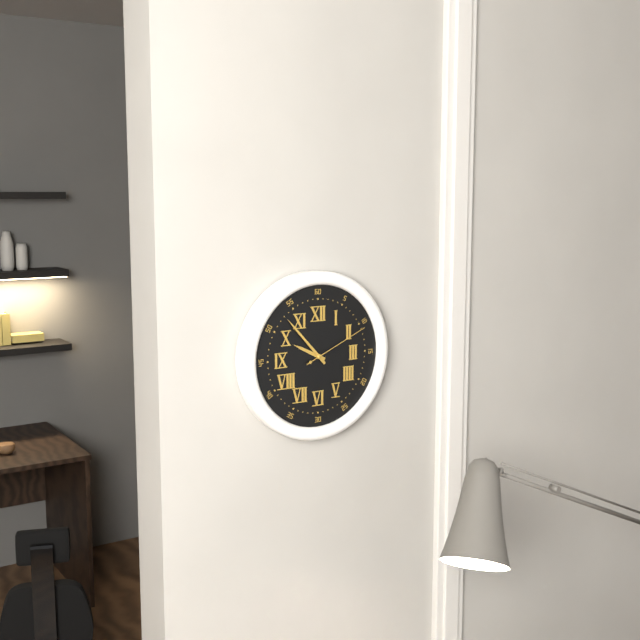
9:53:11
